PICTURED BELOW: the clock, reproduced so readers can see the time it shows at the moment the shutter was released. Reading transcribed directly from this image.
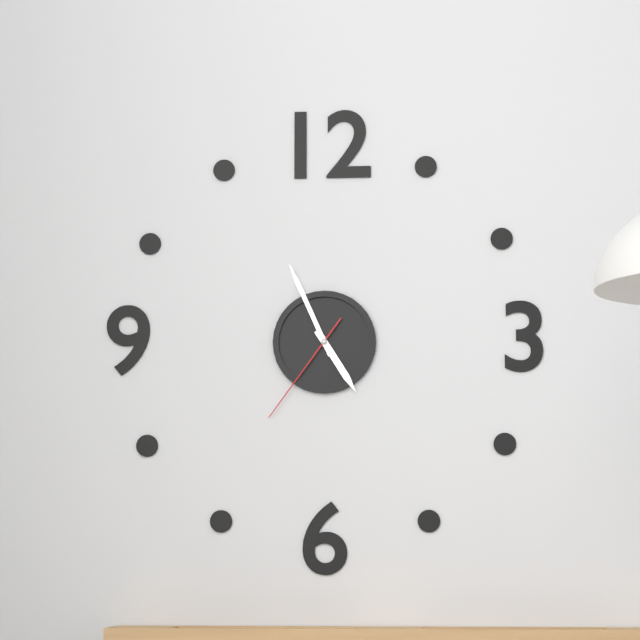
4:56:36
